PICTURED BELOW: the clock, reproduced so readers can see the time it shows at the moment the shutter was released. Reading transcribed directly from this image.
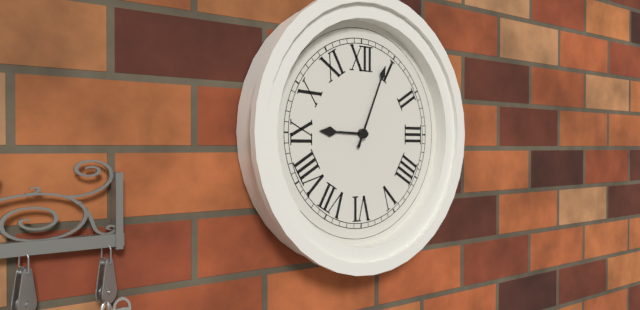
9:04
